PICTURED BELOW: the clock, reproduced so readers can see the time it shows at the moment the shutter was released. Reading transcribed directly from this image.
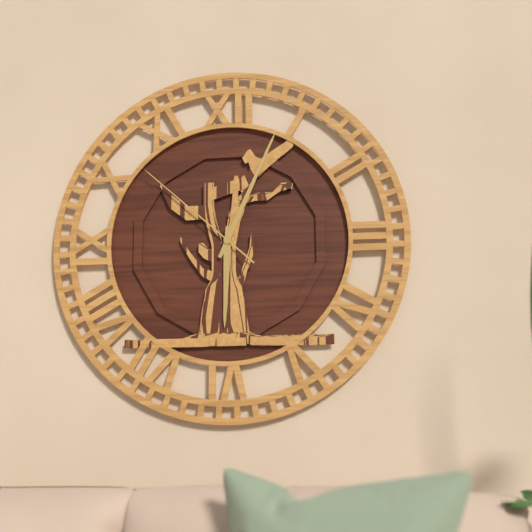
6:04:52
